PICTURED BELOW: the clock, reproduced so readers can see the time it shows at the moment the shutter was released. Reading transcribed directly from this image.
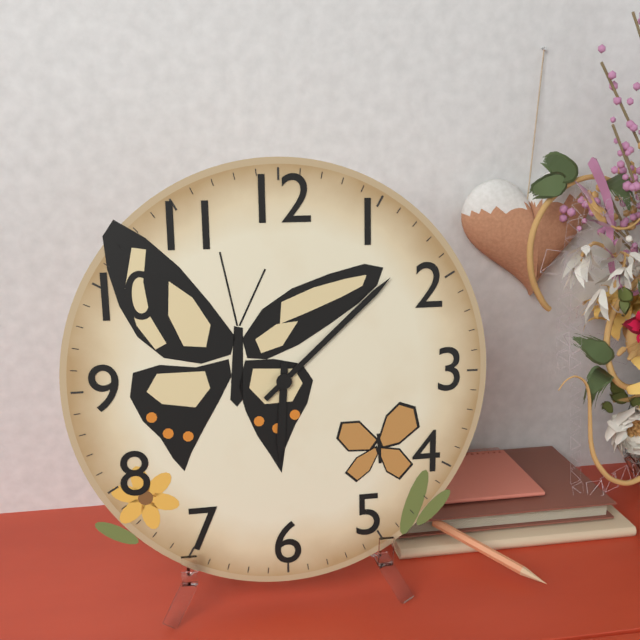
6:08
